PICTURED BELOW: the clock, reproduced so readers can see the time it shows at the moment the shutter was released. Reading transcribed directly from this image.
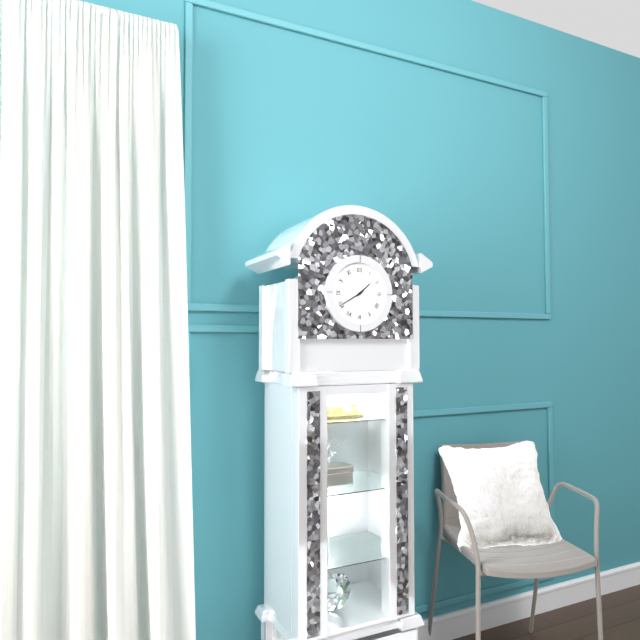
1:40
